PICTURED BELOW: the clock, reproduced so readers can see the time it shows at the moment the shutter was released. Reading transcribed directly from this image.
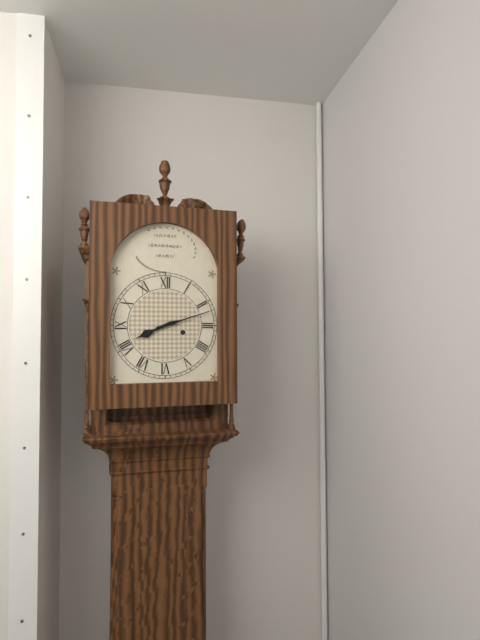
8:12
